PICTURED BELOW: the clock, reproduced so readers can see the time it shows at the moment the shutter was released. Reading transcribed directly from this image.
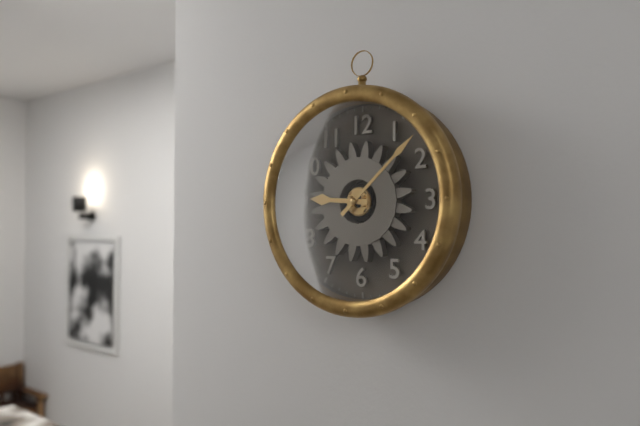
9:08
